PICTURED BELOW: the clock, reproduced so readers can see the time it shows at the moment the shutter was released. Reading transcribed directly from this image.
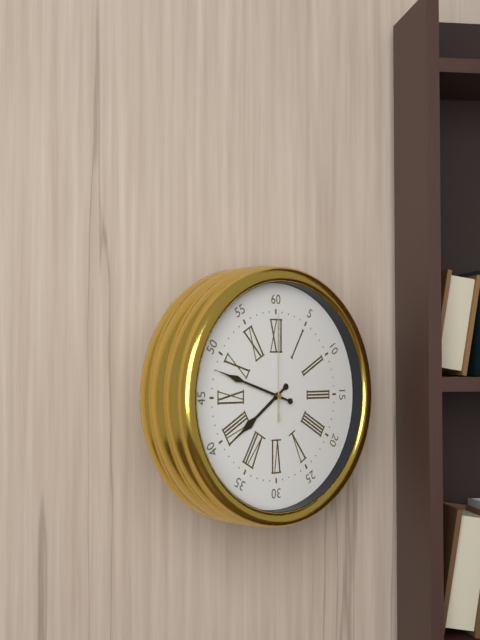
7:48:00
